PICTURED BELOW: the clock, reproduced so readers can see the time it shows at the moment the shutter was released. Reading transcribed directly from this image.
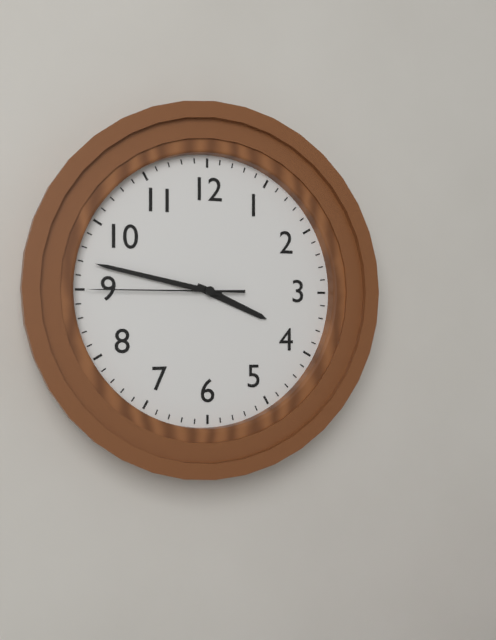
3:47:45
